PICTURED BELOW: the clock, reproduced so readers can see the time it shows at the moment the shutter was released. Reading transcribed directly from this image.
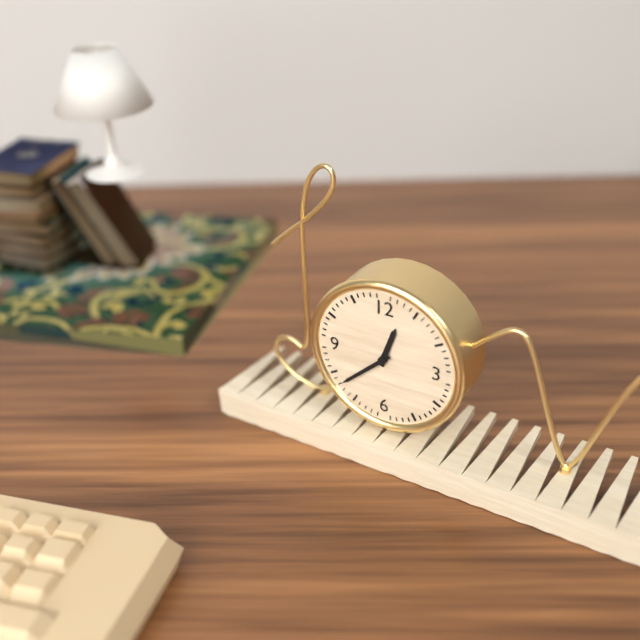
12:38
